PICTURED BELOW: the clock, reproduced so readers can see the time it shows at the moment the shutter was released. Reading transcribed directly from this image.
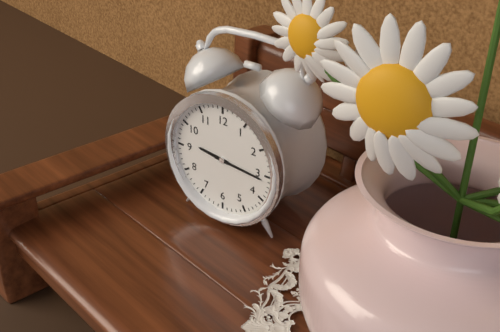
9:16
